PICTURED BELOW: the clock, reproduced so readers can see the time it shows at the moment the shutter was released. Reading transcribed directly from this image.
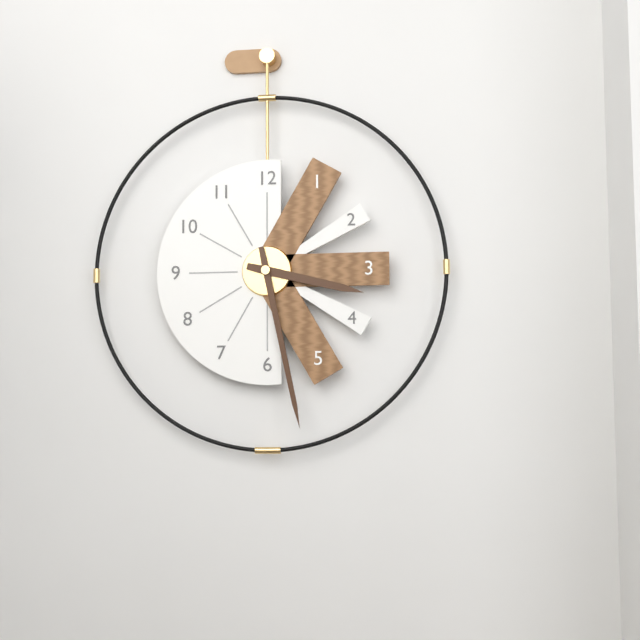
3:28
